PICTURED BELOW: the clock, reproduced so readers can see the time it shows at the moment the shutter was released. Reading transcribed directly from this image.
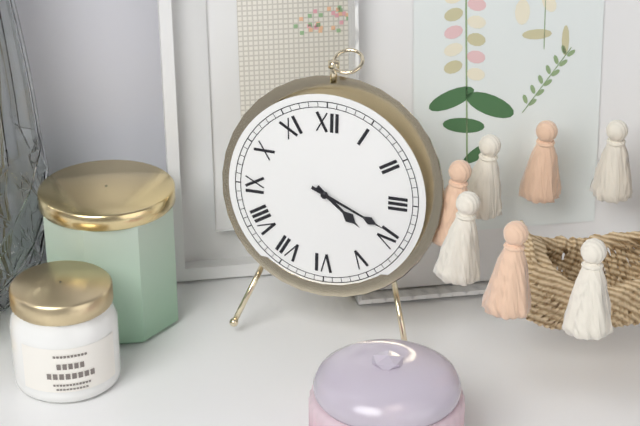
4:19
